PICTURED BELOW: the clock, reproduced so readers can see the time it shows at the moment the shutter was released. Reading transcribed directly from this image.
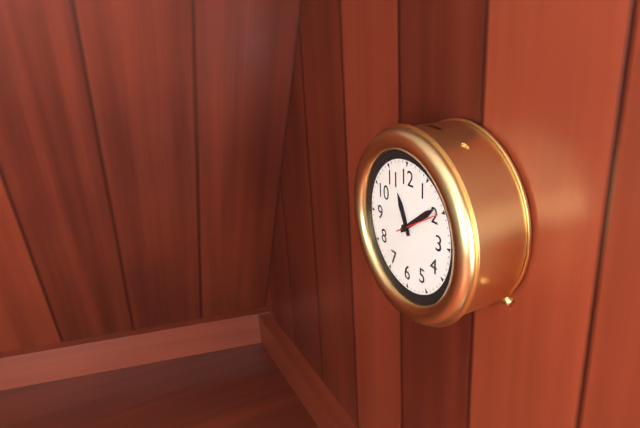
11:09
